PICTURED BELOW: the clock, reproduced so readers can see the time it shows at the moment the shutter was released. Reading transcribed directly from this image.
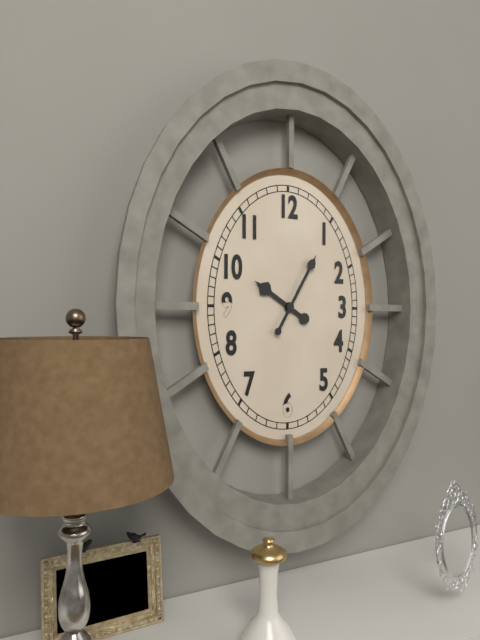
10:05
